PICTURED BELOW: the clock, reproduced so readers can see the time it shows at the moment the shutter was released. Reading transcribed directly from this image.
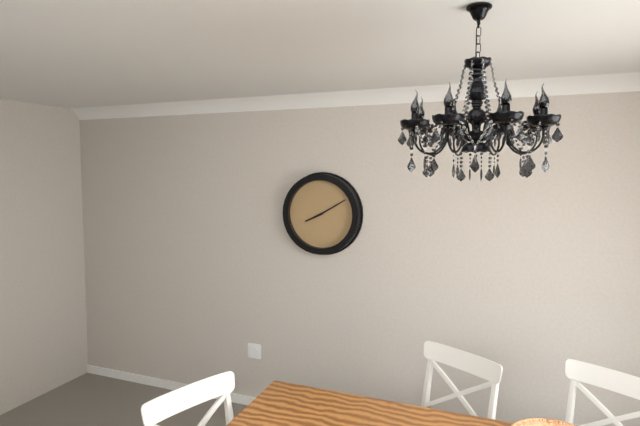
8:10
